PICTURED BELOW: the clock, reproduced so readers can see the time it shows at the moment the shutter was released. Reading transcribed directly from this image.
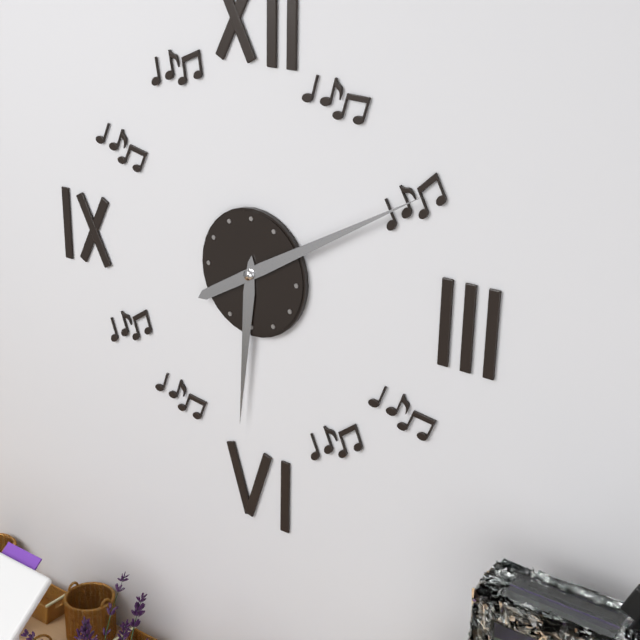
6:10
